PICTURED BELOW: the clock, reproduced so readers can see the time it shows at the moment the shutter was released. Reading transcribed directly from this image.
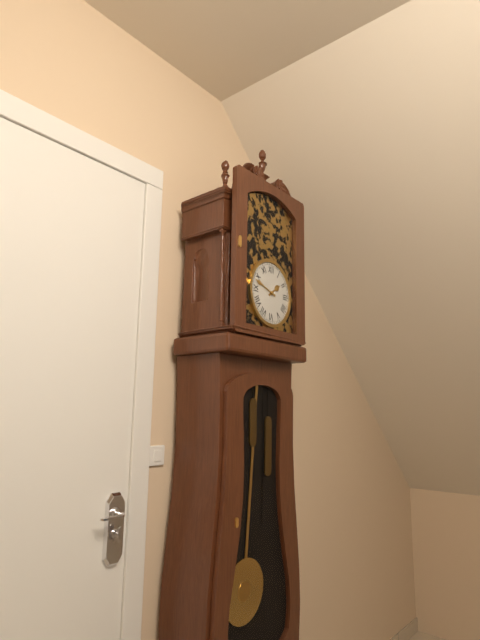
1:48
